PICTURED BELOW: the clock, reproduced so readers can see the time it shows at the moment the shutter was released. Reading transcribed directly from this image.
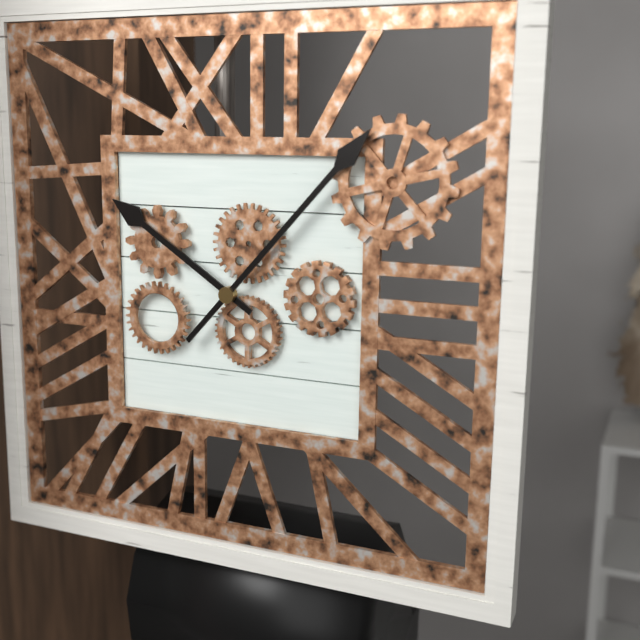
10:07
